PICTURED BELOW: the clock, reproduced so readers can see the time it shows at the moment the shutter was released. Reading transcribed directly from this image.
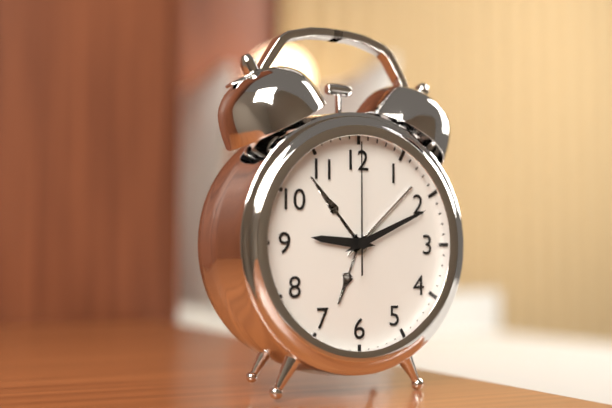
9:11:00
